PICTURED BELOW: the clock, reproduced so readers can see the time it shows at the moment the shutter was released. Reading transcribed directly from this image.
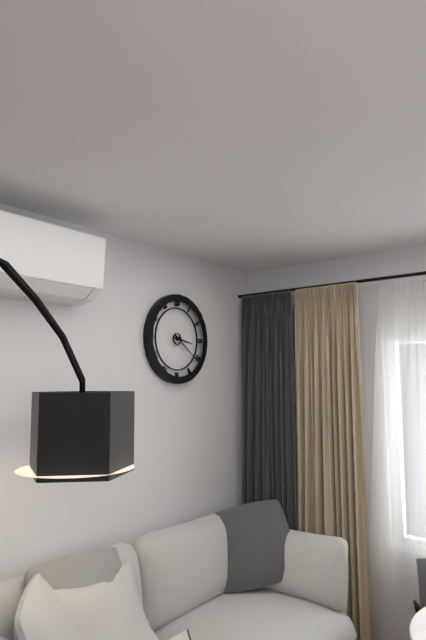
3:21
